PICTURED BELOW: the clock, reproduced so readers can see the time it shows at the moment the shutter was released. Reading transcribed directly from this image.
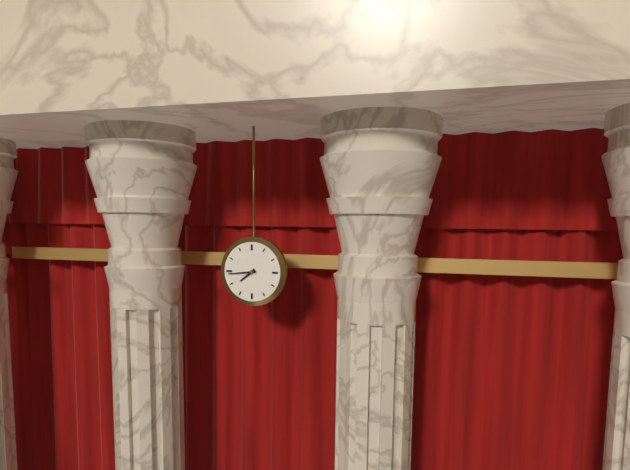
7:44
